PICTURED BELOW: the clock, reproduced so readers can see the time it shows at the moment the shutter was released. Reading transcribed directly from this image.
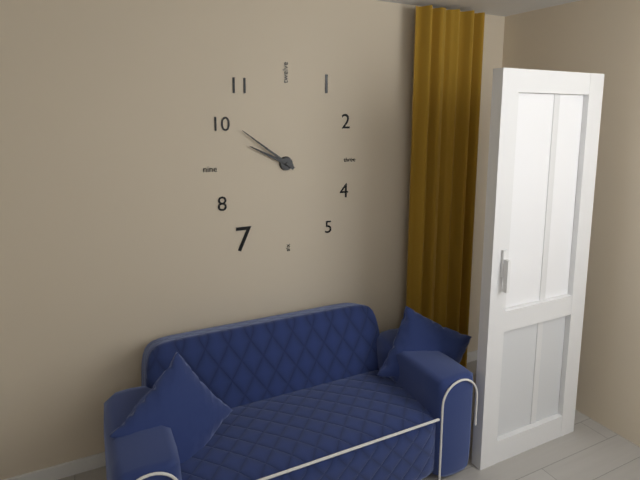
9:51
